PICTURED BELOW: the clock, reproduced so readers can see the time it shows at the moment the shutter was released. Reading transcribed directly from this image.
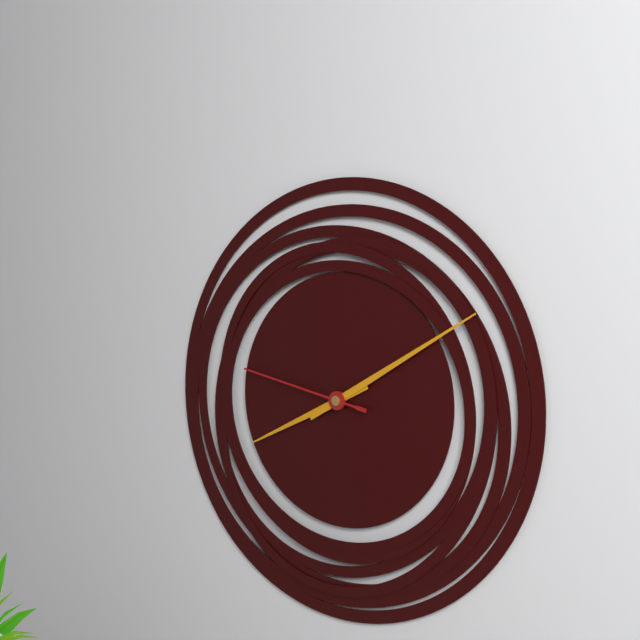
8:10:47
